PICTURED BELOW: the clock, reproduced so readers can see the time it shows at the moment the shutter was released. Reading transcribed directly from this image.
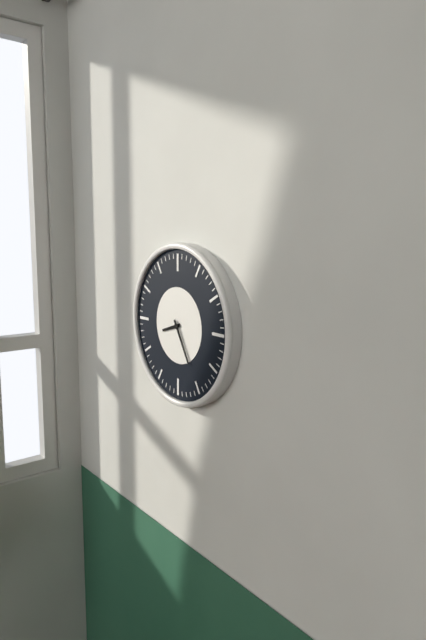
8:25
